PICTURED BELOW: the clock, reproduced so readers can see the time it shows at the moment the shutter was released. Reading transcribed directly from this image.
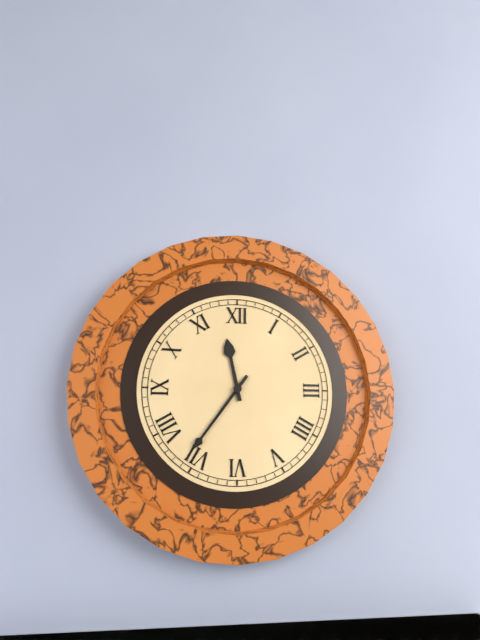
11:36
